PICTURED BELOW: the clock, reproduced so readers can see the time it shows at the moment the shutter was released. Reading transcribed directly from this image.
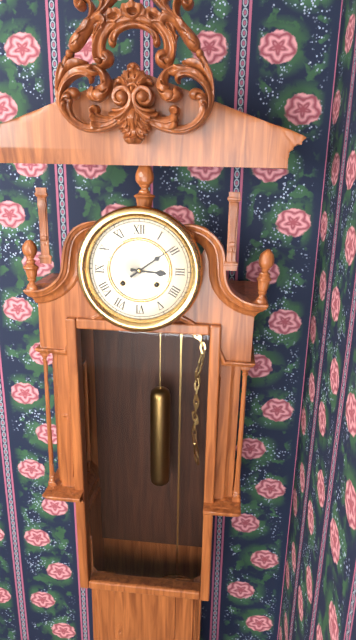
3:09
